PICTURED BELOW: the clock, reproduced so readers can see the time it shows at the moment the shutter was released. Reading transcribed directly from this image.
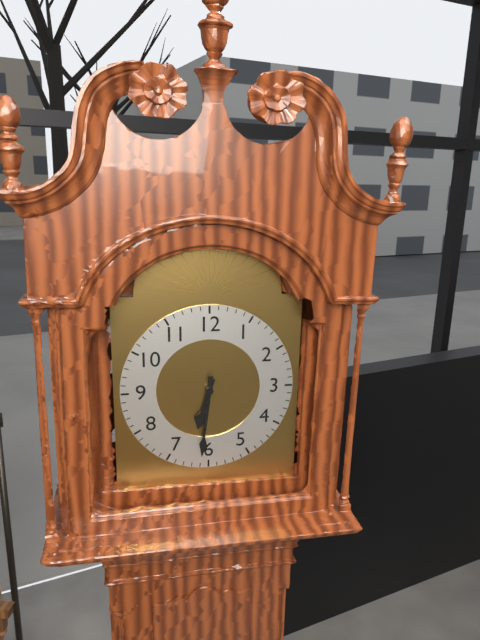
6:31
